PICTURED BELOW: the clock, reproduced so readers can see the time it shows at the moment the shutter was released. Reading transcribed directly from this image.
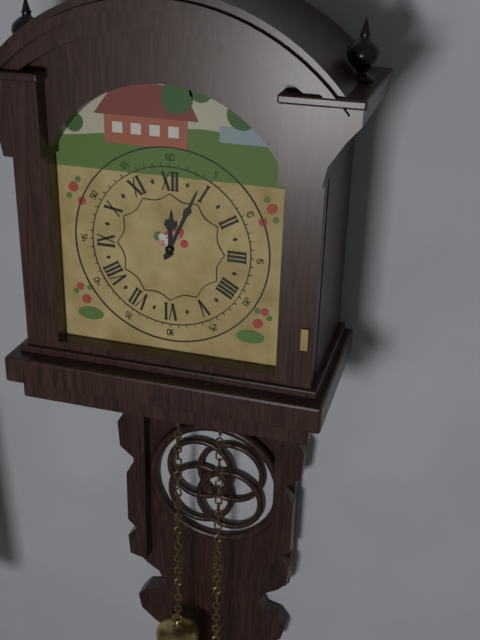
12:04
